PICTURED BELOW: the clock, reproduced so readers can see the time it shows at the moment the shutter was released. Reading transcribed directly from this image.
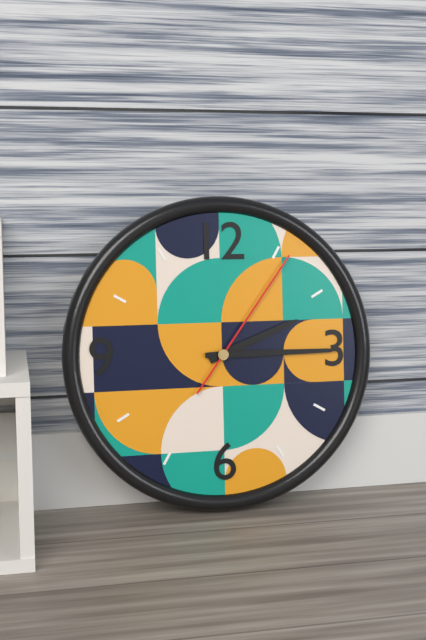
2:15:06
